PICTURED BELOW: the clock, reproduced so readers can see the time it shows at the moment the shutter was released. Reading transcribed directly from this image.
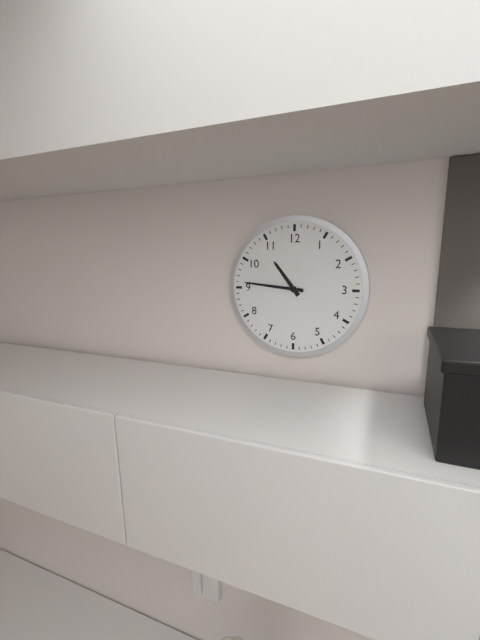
10:46
